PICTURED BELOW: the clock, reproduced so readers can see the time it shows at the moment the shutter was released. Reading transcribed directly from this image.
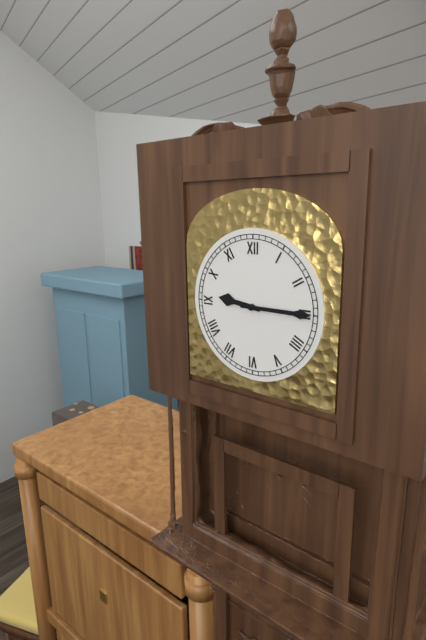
9:15
